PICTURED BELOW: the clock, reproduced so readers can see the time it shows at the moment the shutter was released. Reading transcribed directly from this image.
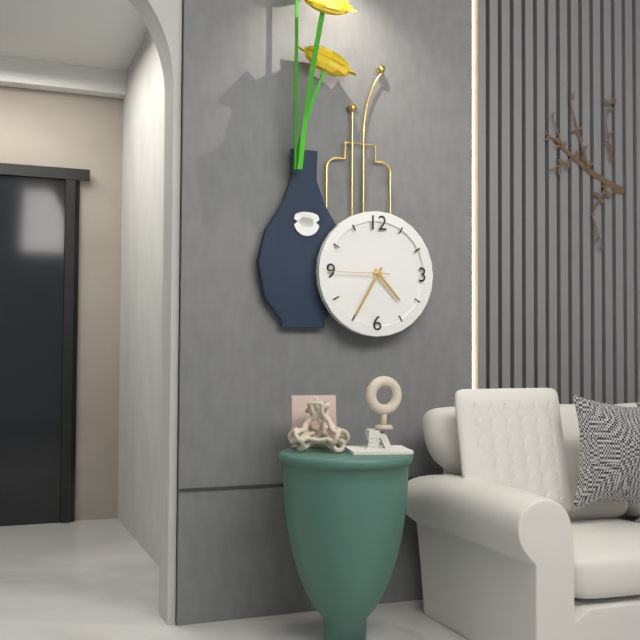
4:35:45
